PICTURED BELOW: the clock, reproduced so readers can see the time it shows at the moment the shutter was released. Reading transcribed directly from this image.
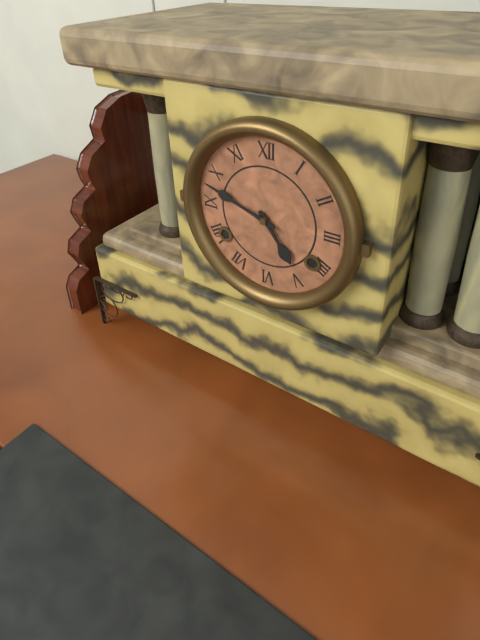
4:48
